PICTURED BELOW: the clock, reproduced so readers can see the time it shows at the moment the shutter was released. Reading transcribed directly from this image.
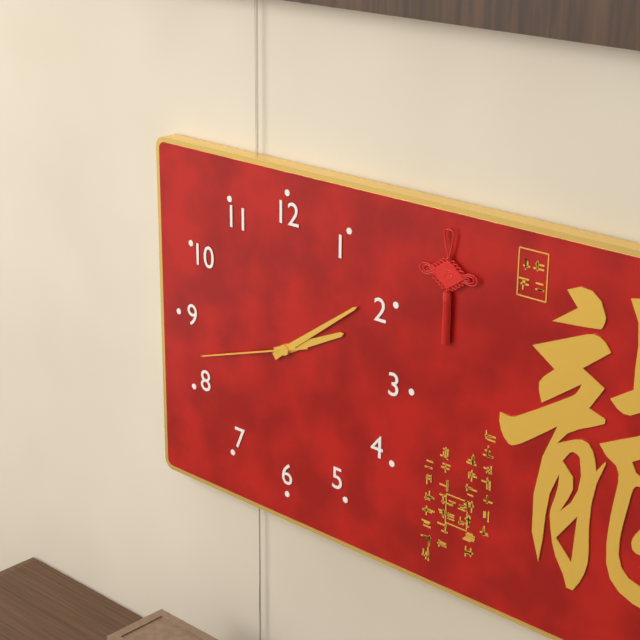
2:09:42
